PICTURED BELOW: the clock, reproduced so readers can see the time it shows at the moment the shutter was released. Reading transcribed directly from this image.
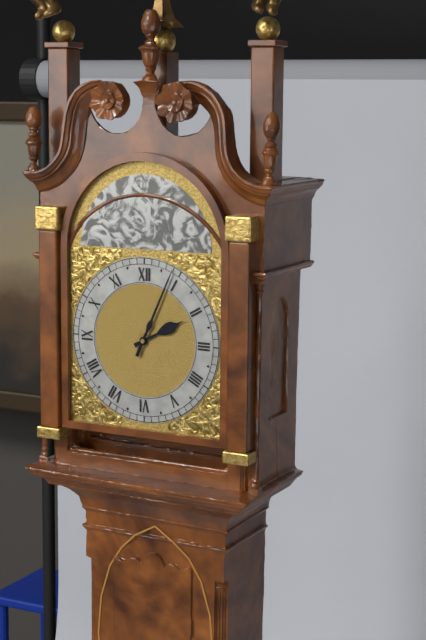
2:04
